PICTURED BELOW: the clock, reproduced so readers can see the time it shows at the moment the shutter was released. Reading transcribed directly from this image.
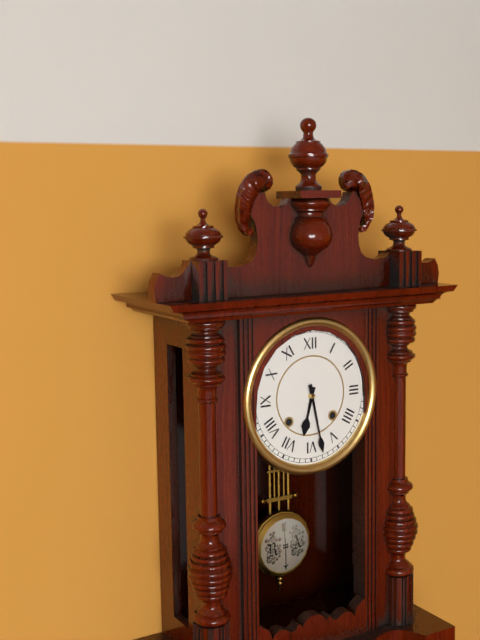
6:28
